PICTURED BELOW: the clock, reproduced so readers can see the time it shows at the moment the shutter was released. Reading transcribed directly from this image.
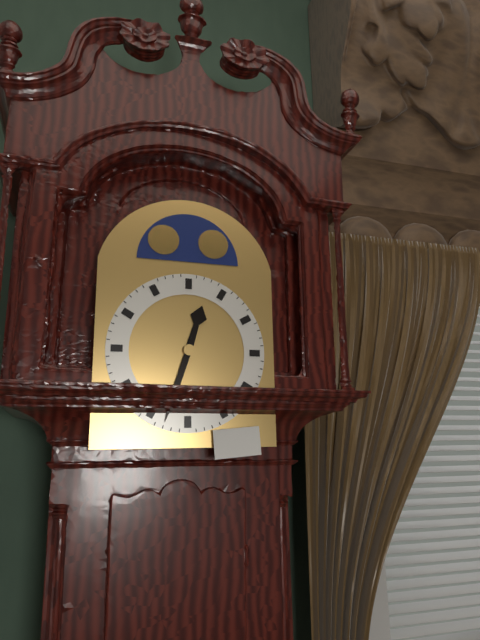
12:33
